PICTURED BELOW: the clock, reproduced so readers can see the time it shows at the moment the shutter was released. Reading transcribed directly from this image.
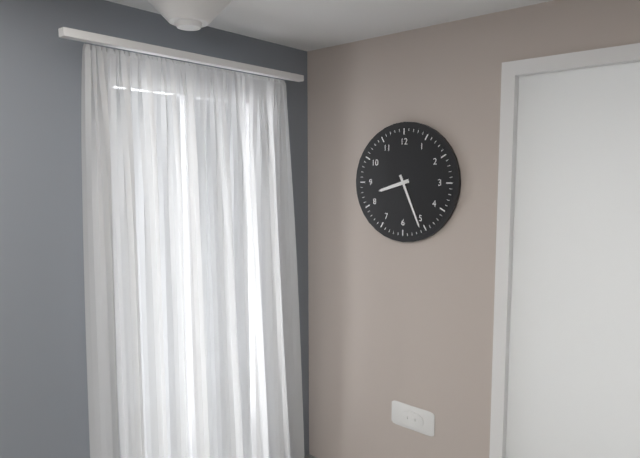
8:26
